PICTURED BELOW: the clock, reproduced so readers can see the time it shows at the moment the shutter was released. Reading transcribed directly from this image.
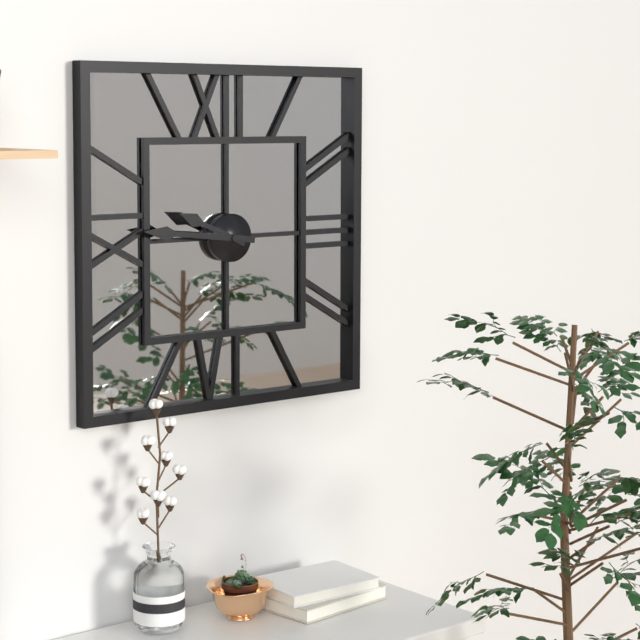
9:46
